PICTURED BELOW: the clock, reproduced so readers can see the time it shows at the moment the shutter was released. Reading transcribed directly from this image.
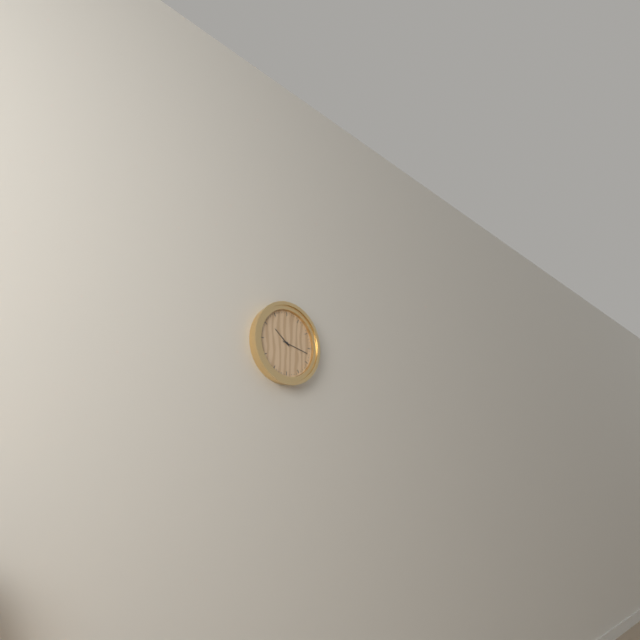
10:17
